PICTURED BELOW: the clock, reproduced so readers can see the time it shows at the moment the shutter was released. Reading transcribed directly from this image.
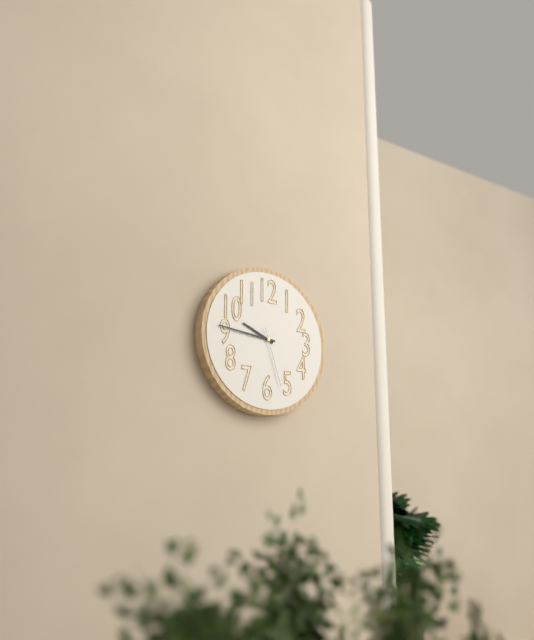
9:46:27
